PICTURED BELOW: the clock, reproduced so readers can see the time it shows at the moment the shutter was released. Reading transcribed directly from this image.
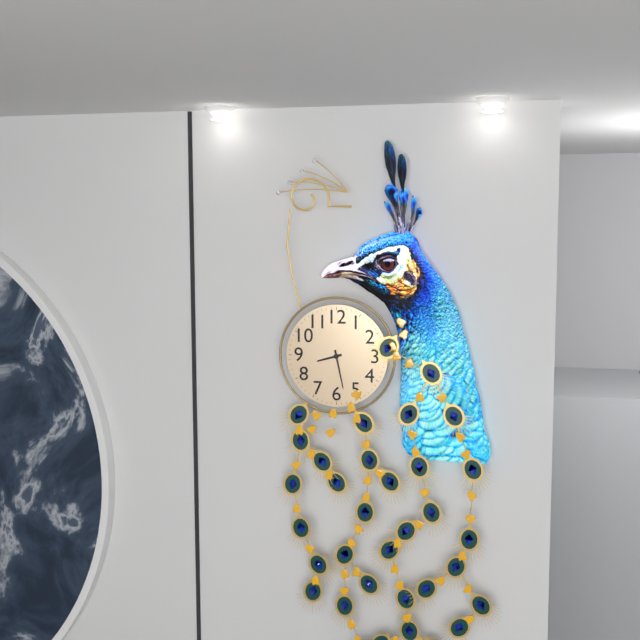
8:28
